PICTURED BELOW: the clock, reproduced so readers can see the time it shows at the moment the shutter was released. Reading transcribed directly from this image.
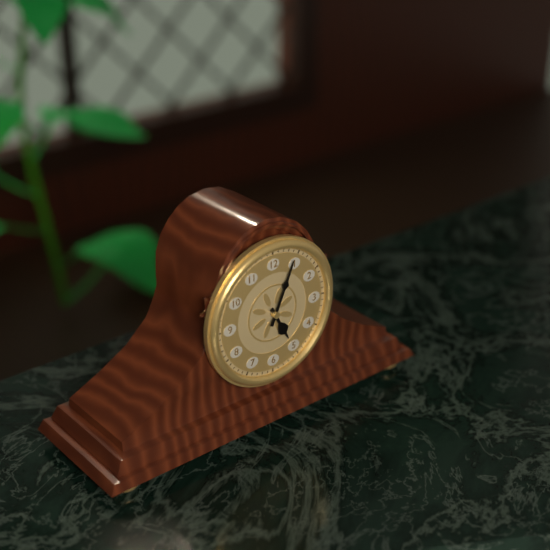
5:04
